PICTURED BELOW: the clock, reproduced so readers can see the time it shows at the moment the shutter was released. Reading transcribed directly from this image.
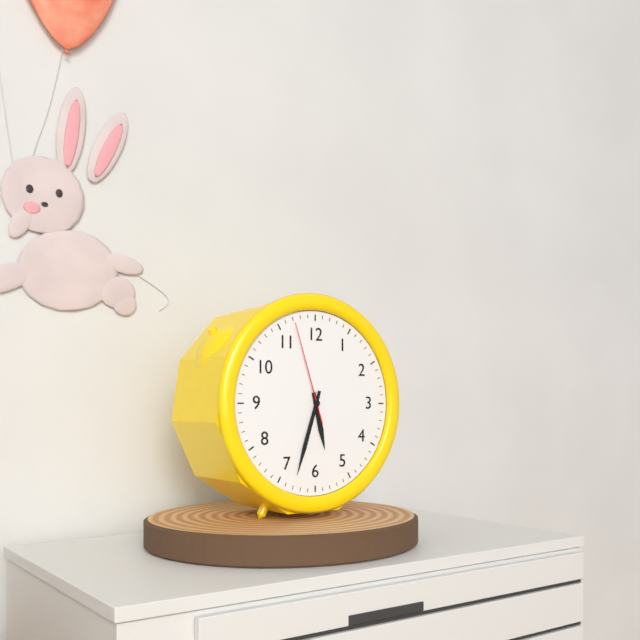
5:33:57
